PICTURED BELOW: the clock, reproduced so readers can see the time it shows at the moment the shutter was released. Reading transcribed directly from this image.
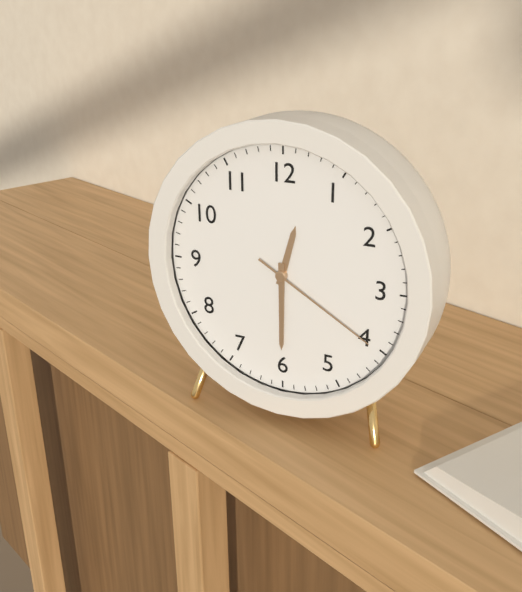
12:30:20
